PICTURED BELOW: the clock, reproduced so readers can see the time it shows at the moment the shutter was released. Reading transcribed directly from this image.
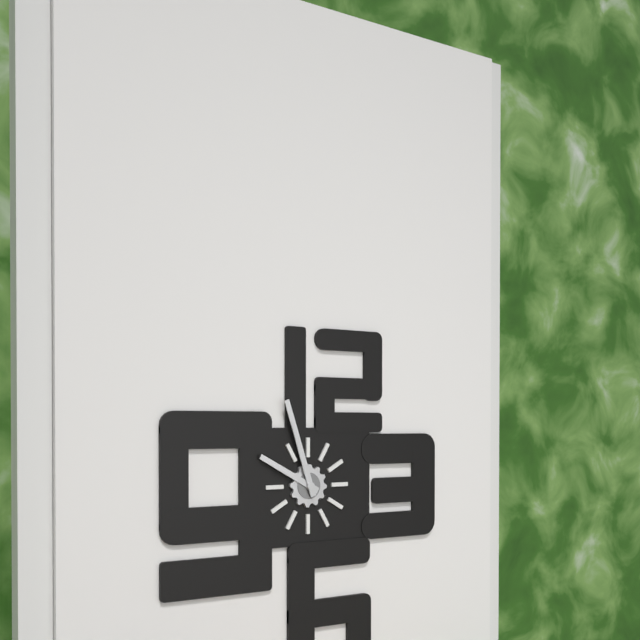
9:57
